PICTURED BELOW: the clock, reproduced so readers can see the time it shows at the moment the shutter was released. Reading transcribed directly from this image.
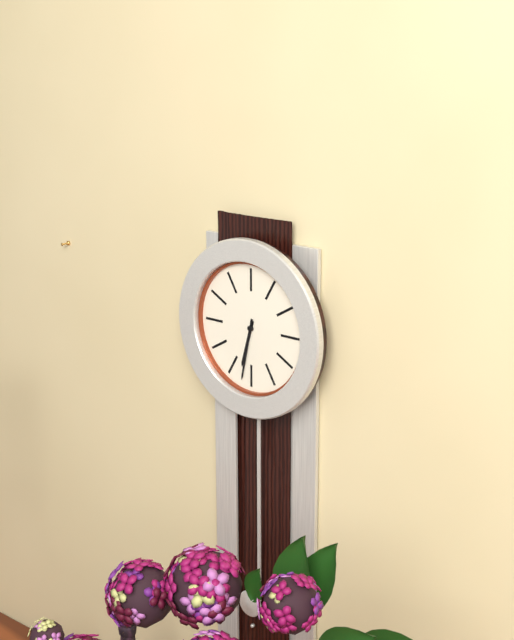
6:32
